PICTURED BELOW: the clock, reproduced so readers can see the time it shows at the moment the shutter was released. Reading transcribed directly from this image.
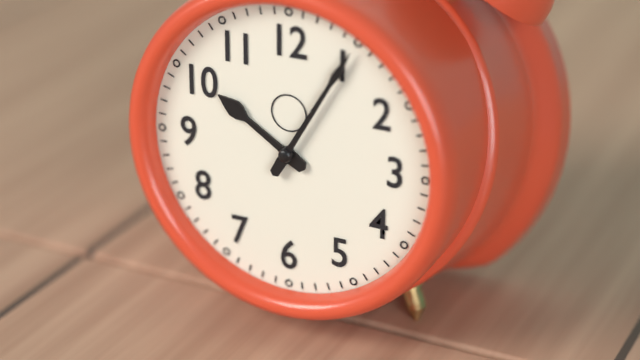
10:05
